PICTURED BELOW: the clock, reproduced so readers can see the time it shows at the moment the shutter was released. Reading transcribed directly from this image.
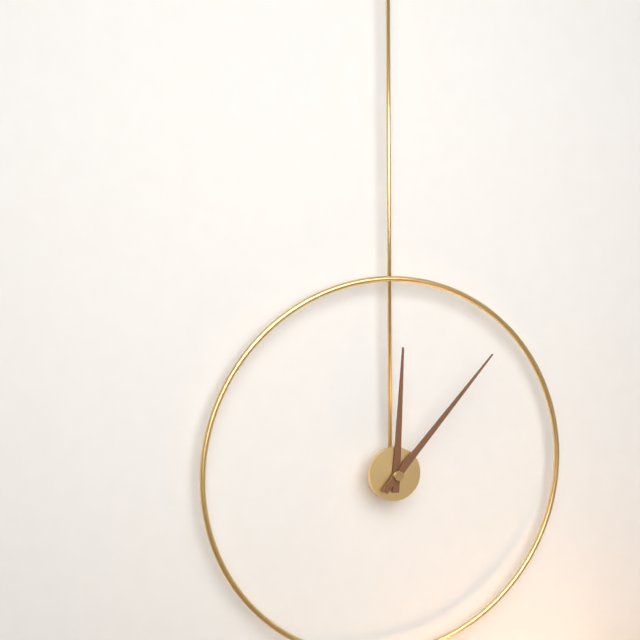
12:07
